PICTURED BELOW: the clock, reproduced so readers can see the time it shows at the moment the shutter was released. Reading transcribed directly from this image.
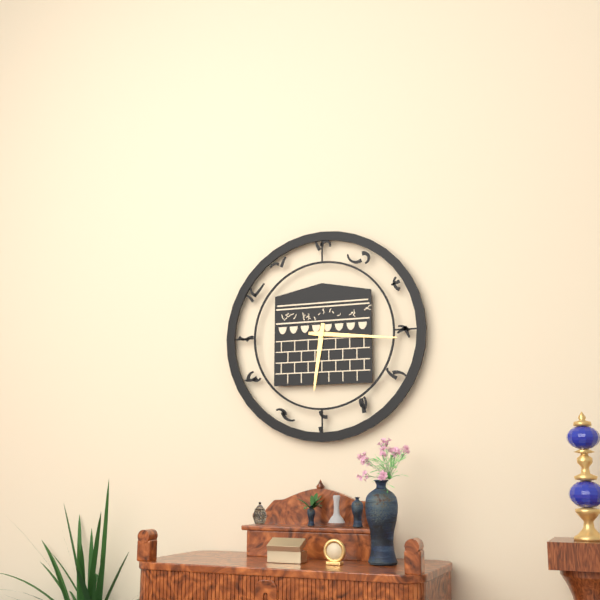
6:16
